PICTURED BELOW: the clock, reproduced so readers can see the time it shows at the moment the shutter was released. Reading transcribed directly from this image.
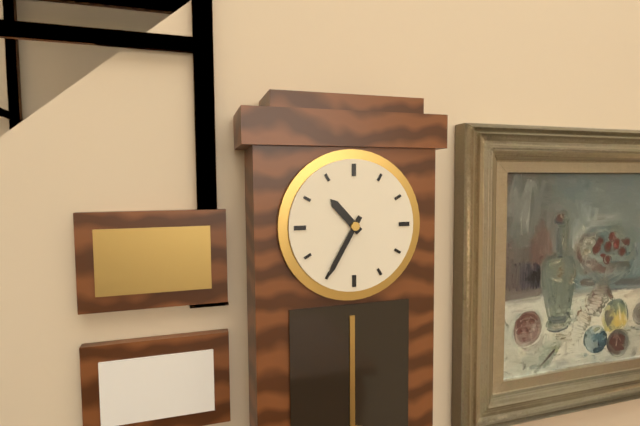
10:35
